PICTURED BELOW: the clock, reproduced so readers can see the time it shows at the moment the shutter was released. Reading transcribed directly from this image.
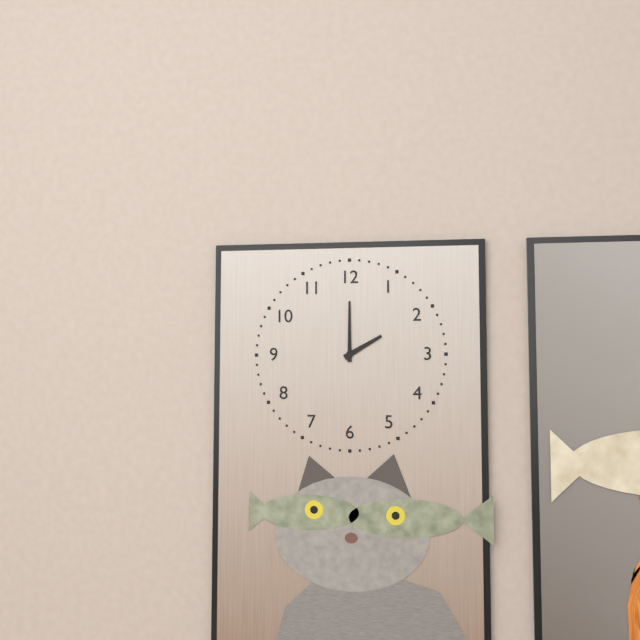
2:00
